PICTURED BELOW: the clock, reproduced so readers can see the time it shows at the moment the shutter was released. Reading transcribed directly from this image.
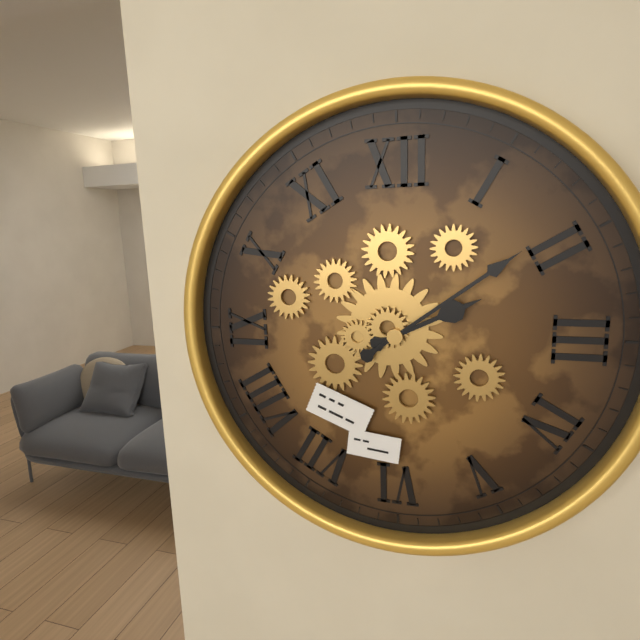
2:09
